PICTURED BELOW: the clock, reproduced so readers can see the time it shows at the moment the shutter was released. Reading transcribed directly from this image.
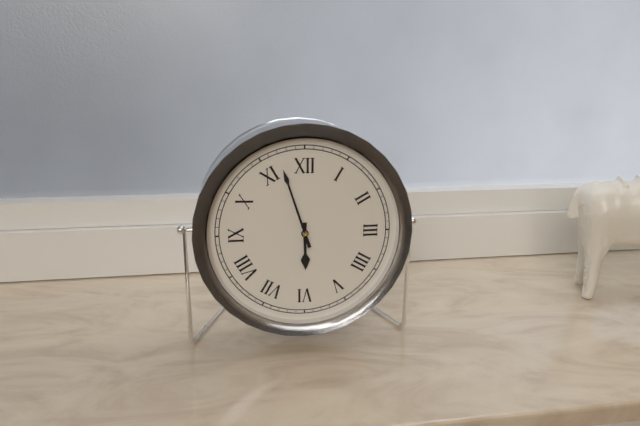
5:57
